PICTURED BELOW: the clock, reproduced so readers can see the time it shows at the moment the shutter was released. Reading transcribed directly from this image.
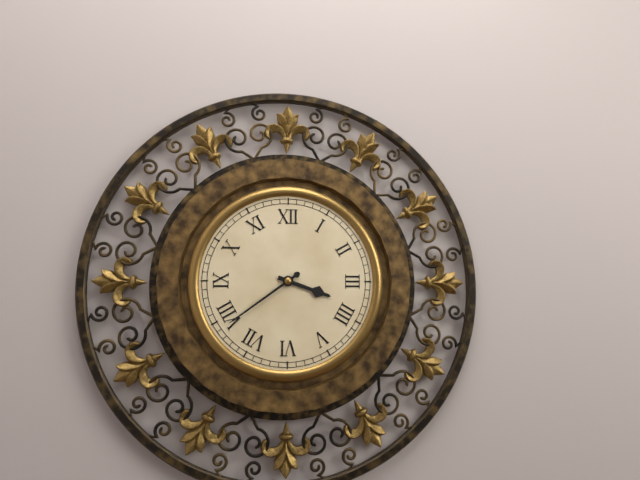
3:39
